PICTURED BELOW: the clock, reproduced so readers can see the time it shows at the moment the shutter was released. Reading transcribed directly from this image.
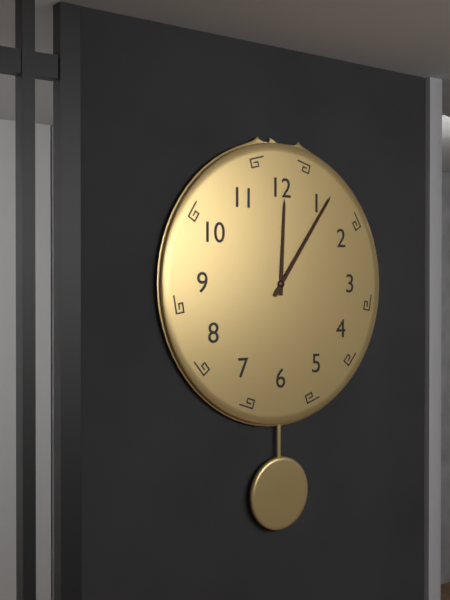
12:06
